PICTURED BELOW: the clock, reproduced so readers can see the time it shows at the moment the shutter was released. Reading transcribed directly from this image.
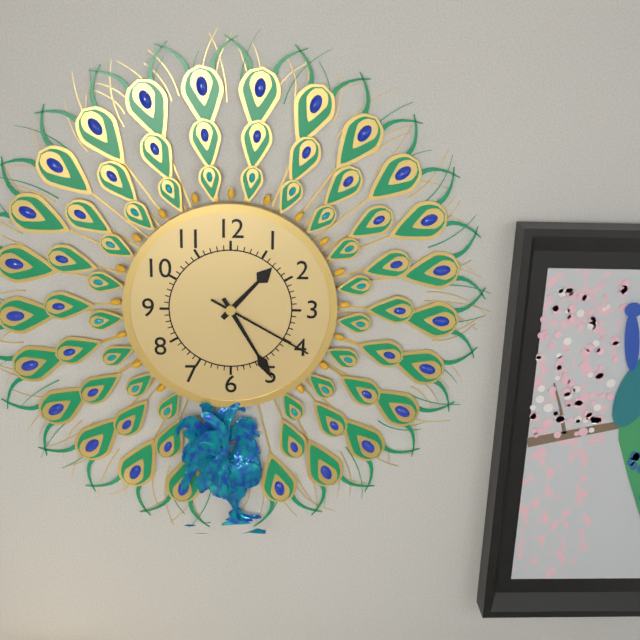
1:25:20
